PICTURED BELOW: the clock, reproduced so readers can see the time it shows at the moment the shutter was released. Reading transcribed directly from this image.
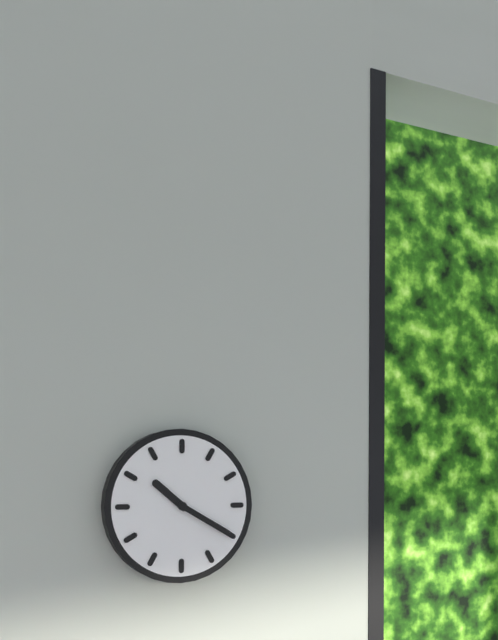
10:20
